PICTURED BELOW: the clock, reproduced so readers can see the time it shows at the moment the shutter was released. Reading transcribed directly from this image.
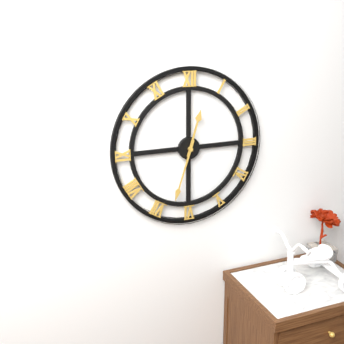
12:33
